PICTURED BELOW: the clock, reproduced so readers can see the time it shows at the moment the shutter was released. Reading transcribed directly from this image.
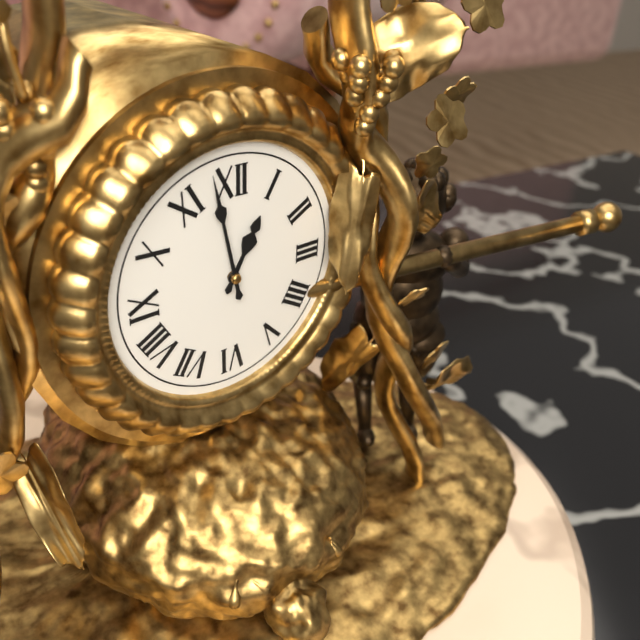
12:58
